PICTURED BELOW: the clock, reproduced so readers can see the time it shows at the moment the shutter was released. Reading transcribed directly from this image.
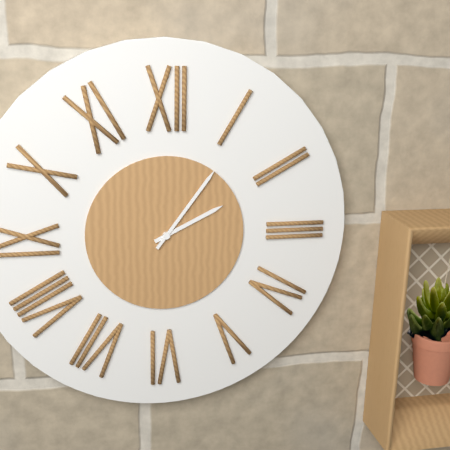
2:06
